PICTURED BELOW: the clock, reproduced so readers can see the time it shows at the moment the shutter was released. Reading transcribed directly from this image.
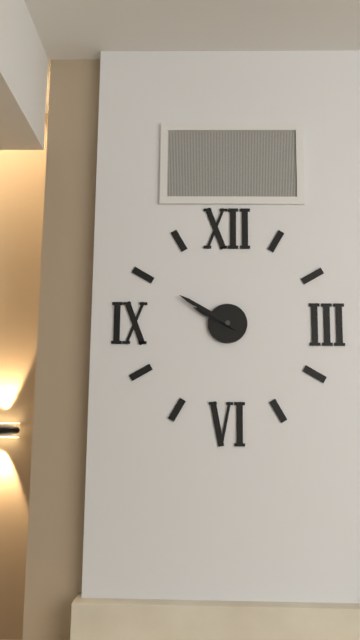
9:50
